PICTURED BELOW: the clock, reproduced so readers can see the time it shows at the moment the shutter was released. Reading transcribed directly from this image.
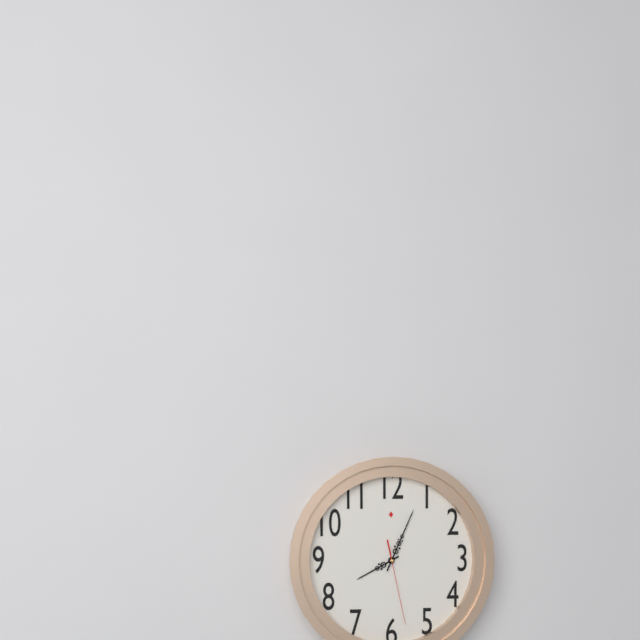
8:04:28
